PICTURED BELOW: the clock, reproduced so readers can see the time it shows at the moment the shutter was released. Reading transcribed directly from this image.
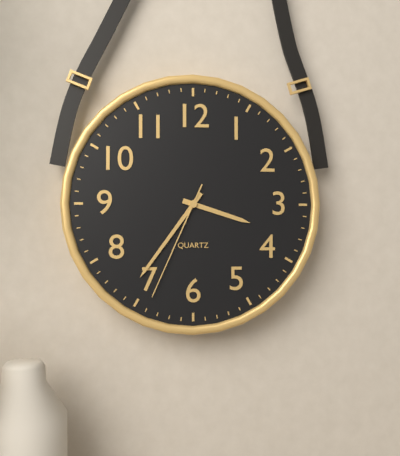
3:36:34
